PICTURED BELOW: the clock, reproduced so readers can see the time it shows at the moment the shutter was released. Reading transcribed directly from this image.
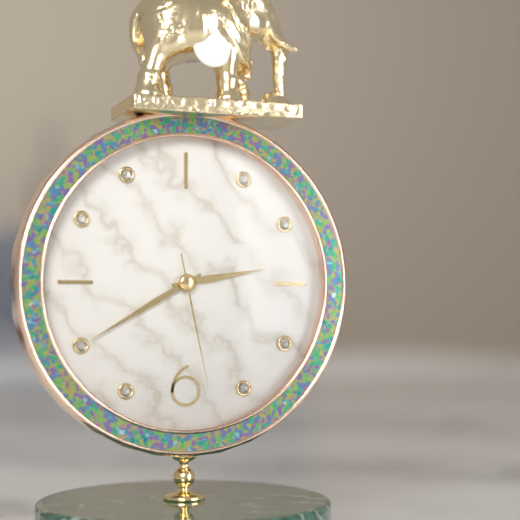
2:40:28
